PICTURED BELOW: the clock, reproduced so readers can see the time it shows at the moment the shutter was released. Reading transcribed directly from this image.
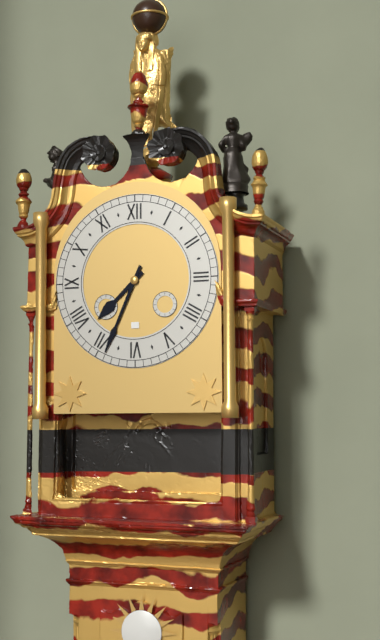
7:34
